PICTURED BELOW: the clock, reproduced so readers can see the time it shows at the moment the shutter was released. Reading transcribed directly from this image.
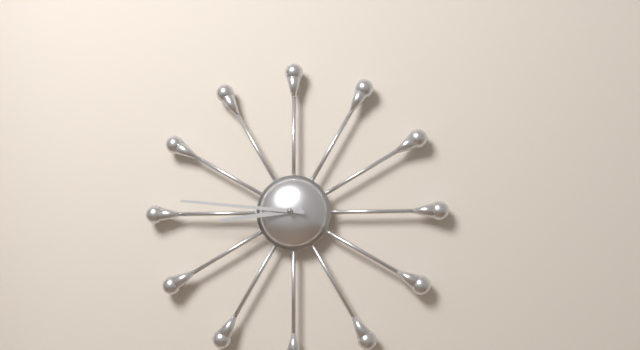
8:46
